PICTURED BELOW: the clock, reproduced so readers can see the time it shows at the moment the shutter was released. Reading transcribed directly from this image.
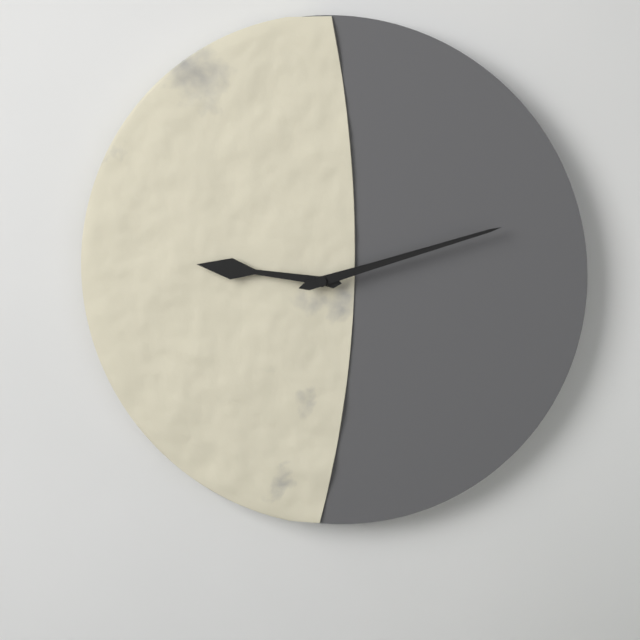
9:12
